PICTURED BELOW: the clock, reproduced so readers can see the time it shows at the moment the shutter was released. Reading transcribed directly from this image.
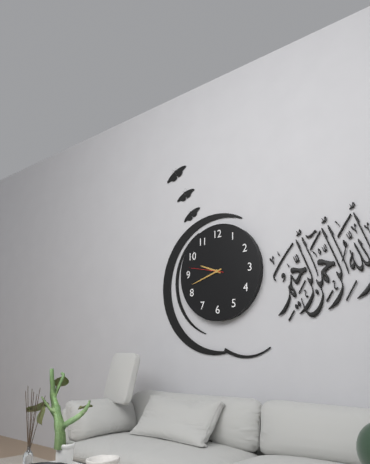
9:42
